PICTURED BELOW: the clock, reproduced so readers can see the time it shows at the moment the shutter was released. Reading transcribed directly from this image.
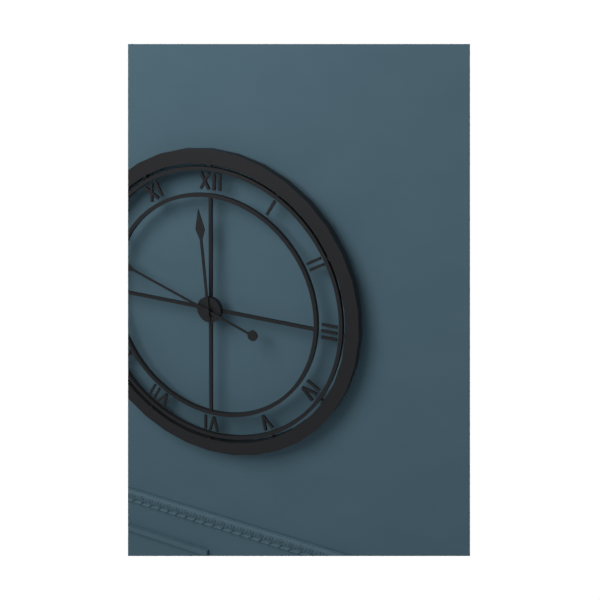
11:48
